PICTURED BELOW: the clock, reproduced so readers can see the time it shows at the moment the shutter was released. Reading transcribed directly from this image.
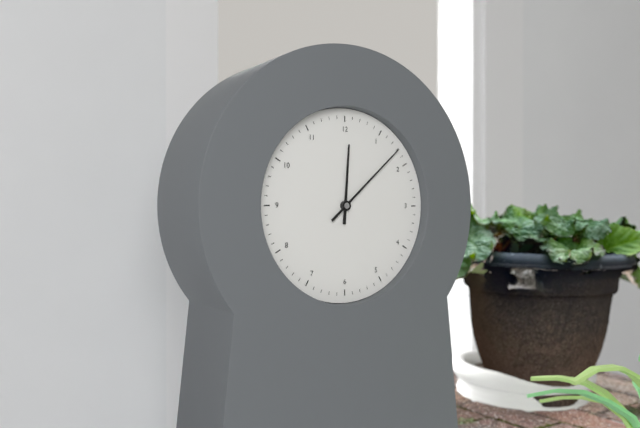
12:08
